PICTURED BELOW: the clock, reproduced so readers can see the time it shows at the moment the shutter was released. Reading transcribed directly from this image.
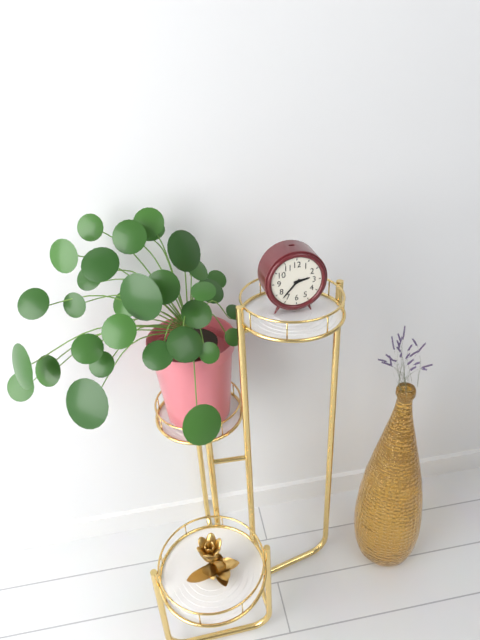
2:37
